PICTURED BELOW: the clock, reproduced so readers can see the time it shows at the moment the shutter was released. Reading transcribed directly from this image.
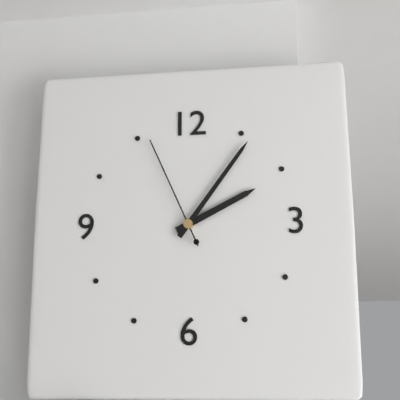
2:06:56
